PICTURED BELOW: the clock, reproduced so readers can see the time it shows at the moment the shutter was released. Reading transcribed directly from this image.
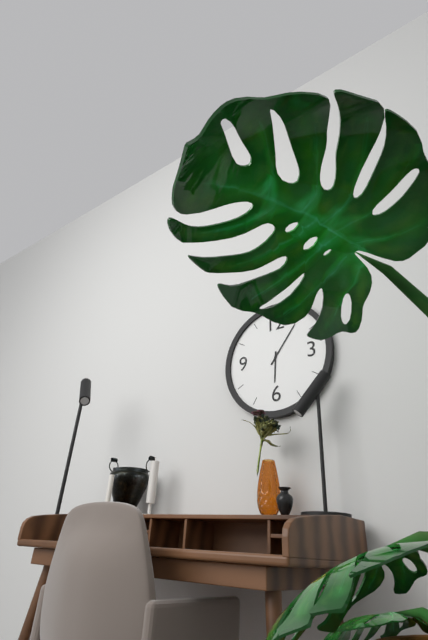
6:06
